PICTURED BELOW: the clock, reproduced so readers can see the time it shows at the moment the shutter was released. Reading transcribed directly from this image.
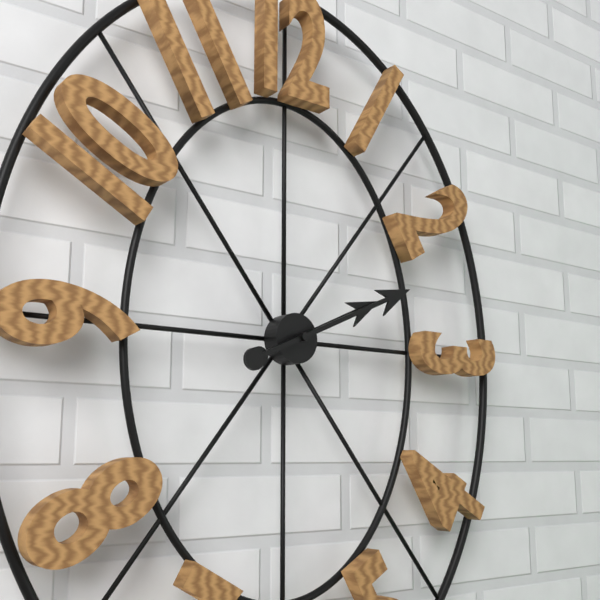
2:11
